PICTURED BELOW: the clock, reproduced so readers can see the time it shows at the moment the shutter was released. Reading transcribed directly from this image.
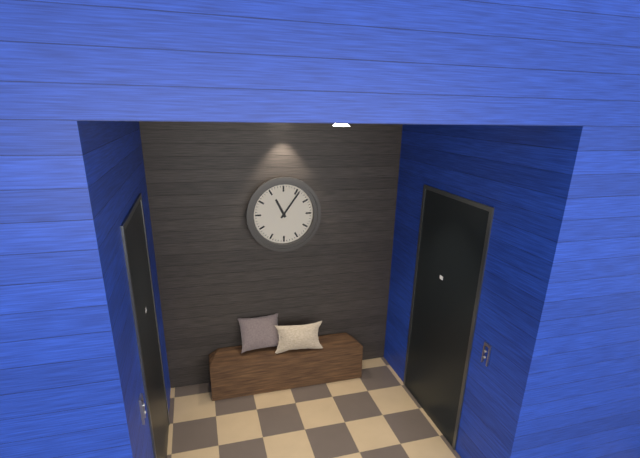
11:06
